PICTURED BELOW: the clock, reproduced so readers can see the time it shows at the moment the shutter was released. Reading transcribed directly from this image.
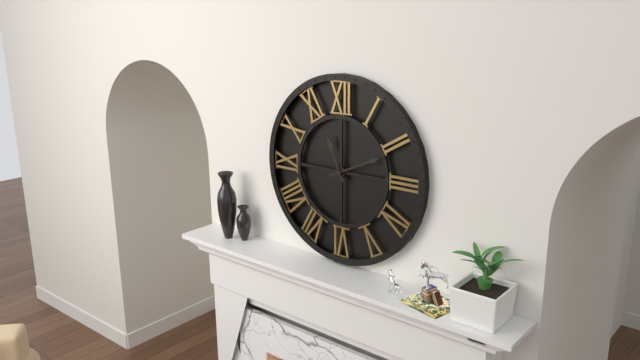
11:11
